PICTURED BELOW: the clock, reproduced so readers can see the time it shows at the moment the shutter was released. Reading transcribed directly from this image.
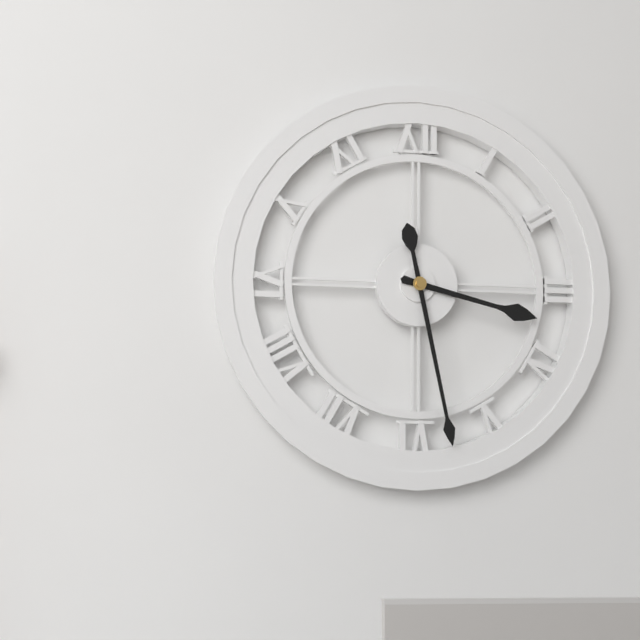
3:28
